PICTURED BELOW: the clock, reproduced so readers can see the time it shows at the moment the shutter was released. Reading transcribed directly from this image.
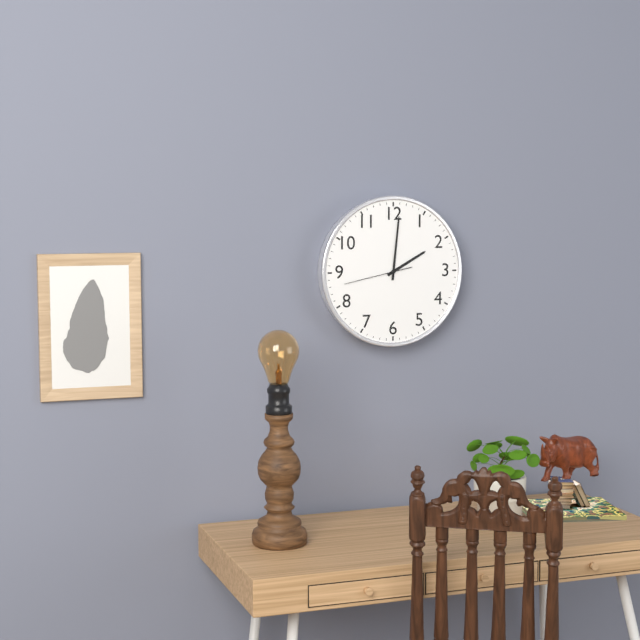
2:01:43
